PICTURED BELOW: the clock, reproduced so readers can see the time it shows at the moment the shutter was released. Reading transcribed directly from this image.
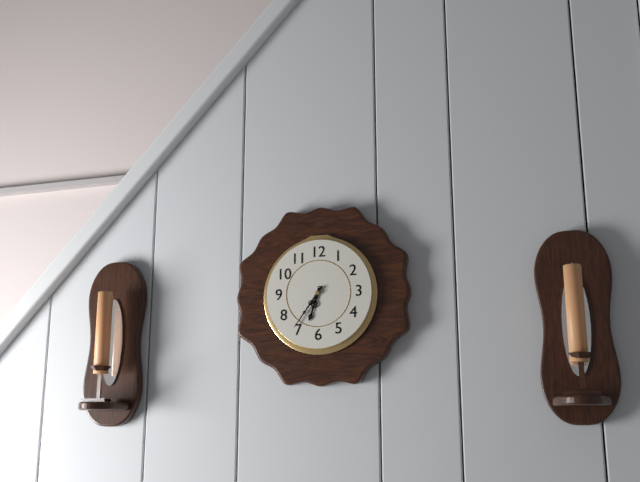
6:36
